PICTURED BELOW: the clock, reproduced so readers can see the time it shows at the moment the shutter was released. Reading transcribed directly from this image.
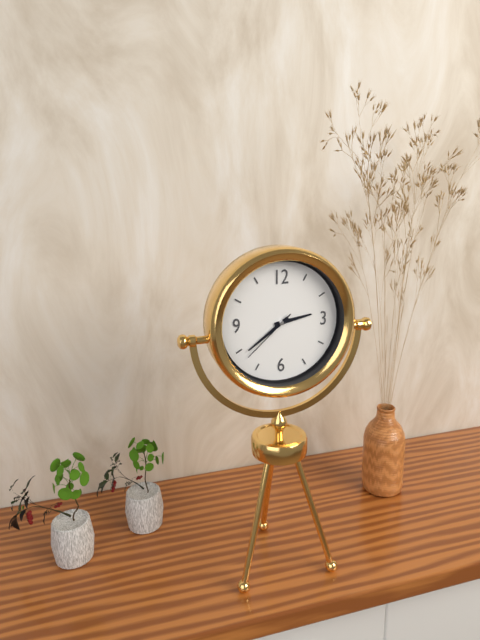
2:39:38
